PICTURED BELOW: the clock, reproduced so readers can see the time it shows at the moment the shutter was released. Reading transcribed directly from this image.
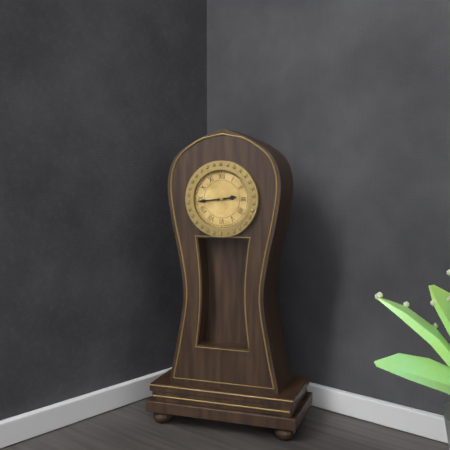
2:44
